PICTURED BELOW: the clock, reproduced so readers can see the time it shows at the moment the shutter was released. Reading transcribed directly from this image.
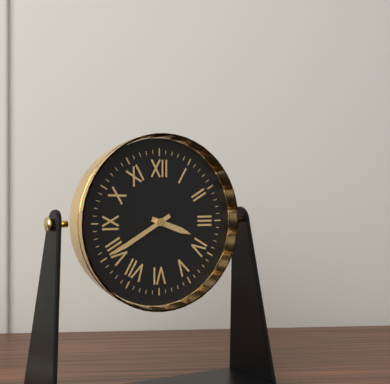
3:40
